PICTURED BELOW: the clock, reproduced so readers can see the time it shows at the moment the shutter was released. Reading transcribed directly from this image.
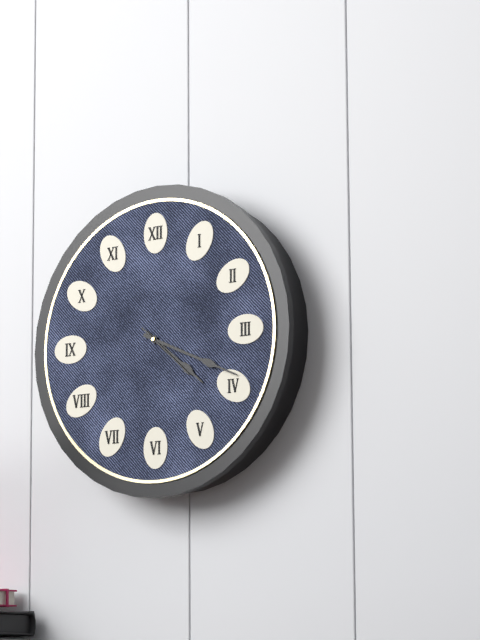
4:19:22
